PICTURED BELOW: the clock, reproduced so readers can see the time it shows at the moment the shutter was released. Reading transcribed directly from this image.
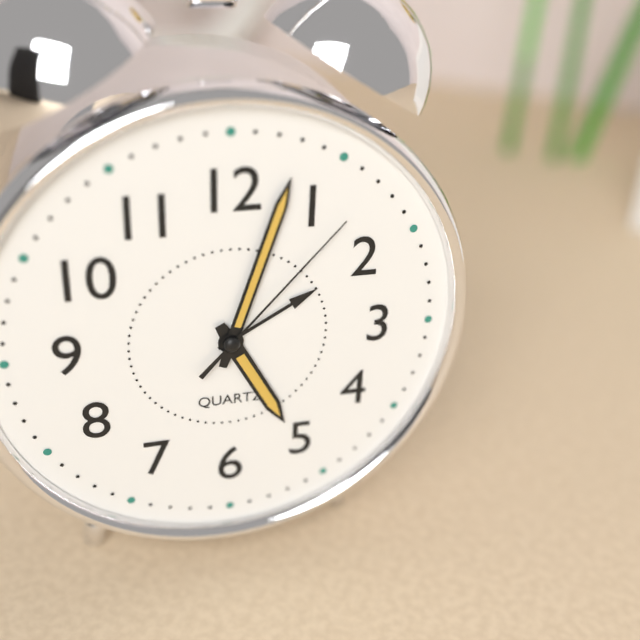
5:03:07
